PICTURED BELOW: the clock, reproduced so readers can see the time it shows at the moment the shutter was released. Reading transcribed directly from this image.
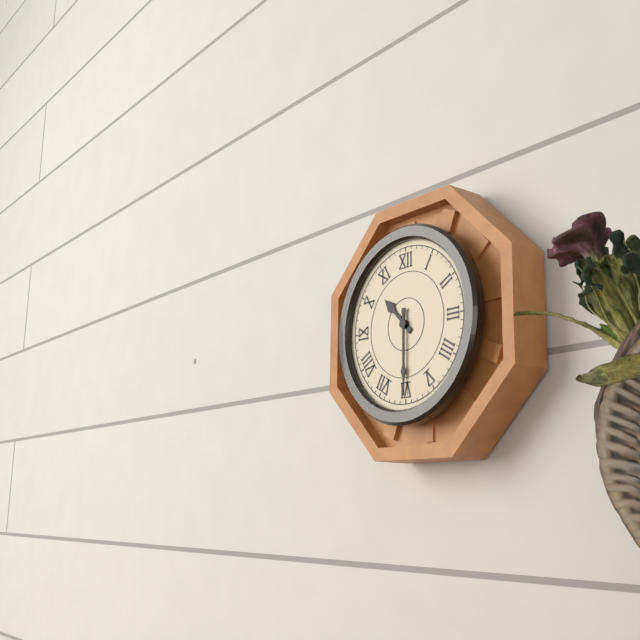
10:30
